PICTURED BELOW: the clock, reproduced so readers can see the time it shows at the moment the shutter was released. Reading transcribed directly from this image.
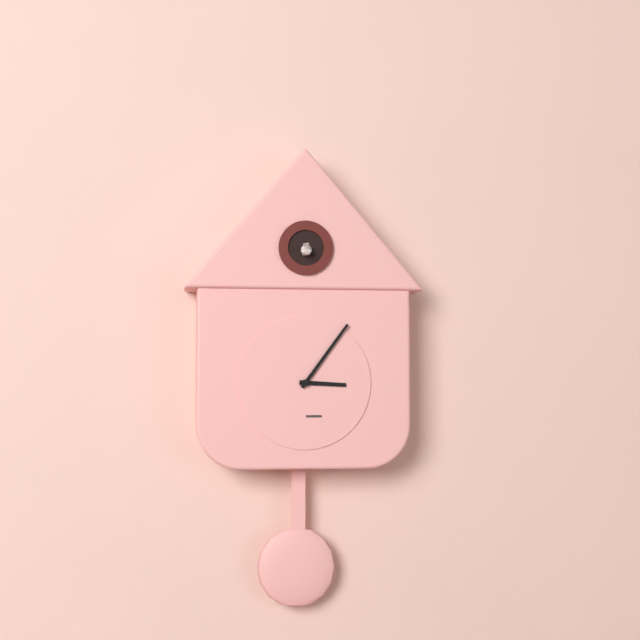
3:06
